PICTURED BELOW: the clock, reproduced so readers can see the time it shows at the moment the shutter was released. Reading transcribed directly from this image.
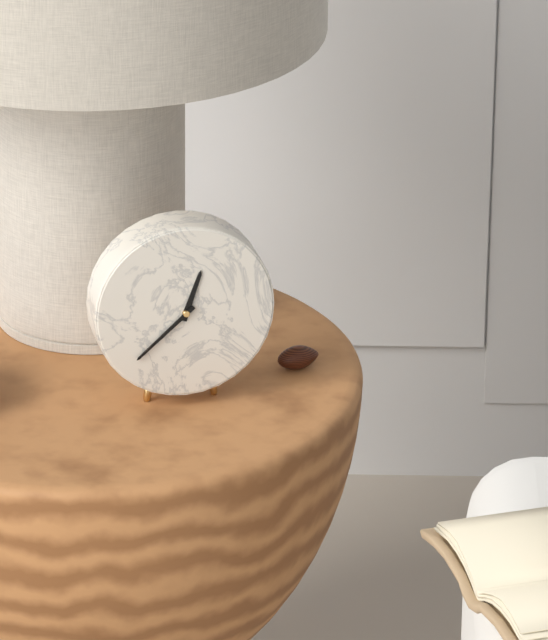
12:38
